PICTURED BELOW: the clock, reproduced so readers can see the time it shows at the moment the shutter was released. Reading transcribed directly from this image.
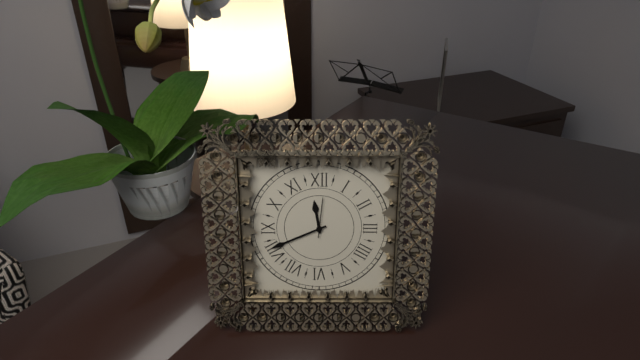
11:41
